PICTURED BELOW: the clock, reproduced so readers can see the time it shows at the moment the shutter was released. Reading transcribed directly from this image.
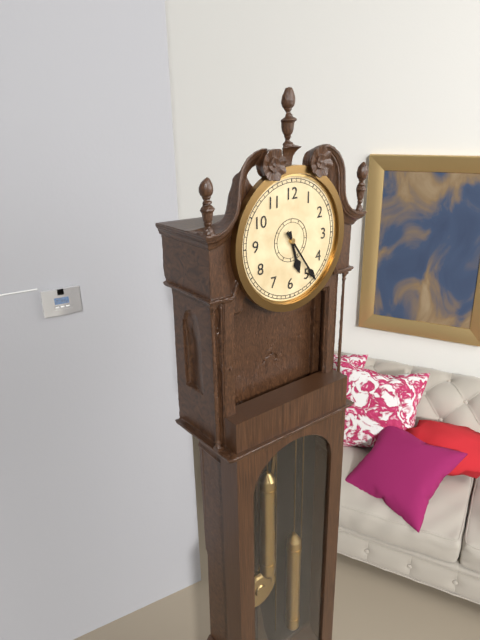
5:24
